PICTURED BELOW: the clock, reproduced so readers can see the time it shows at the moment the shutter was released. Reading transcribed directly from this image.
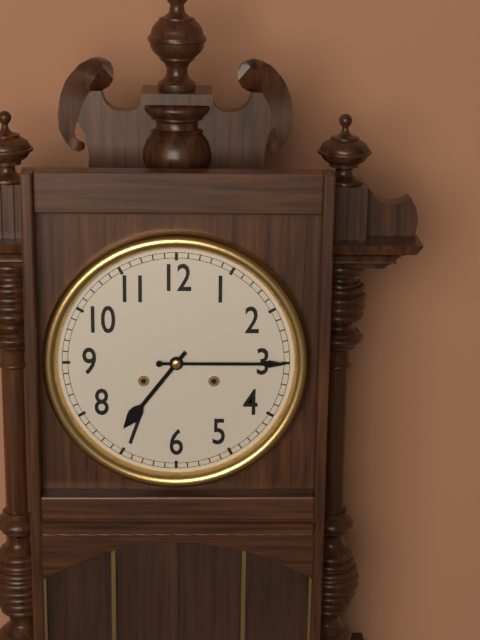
7:15
